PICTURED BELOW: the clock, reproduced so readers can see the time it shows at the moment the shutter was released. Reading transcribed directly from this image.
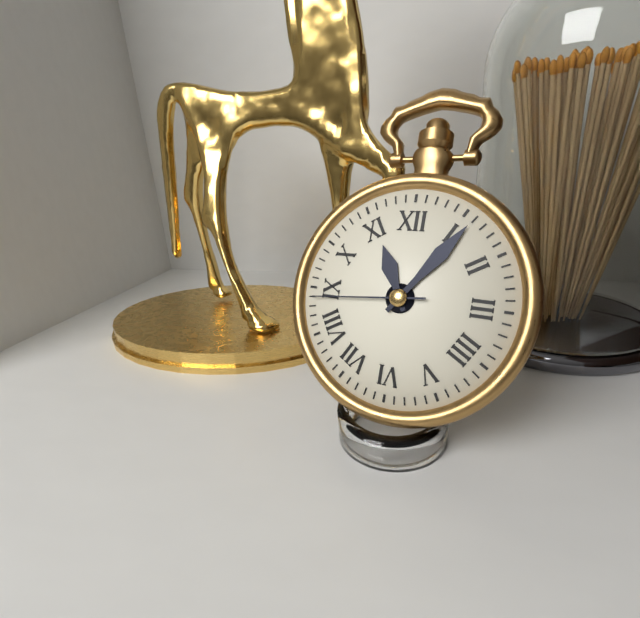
11:06:44
